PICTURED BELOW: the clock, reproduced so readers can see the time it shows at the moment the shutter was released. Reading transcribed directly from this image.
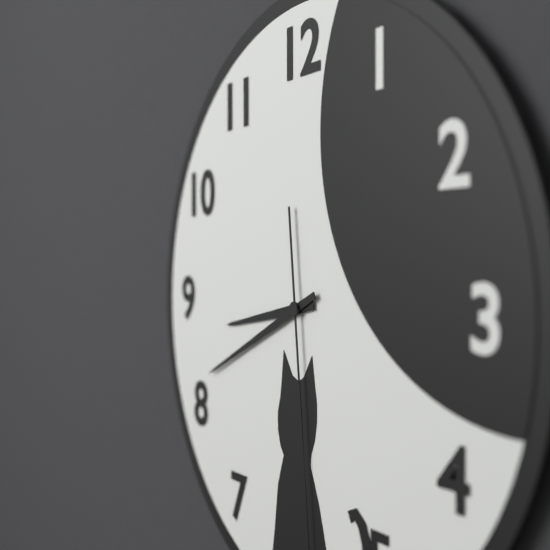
8:41
